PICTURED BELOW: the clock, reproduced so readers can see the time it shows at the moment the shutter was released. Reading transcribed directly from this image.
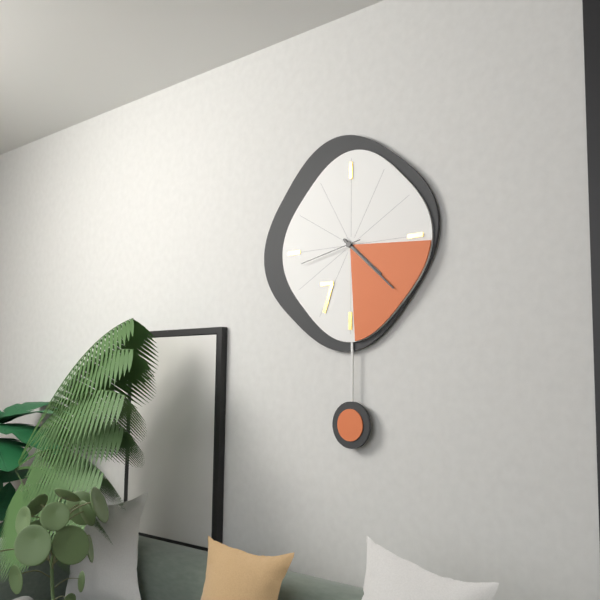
4:22:43
